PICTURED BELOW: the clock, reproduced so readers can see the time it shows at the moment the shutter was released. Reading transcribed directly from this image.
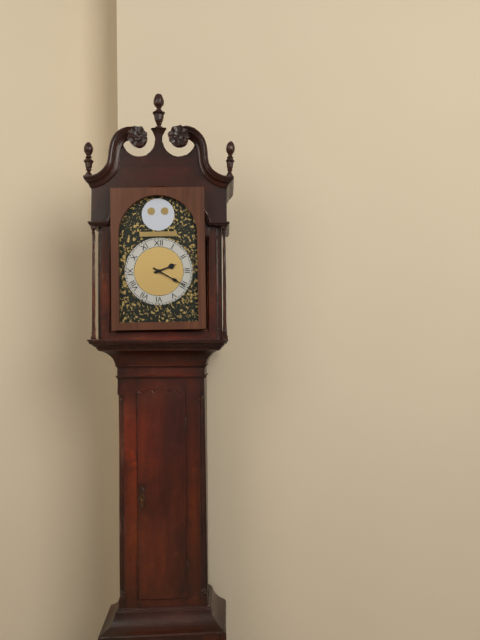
2:20
